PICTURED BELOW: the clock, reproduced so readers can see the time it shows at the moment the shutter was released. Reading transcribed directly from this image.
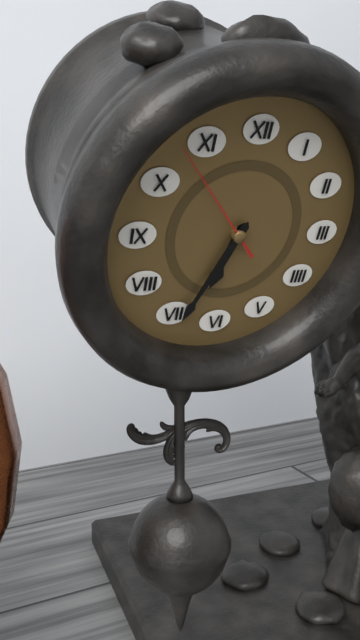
6:34:53
